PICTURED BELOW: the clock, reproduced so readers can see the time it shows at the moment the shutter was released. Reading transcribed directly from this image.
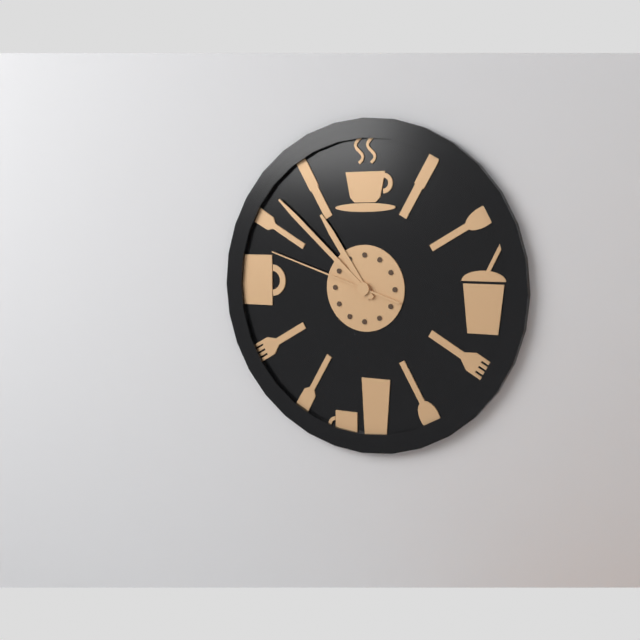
10:52:48
